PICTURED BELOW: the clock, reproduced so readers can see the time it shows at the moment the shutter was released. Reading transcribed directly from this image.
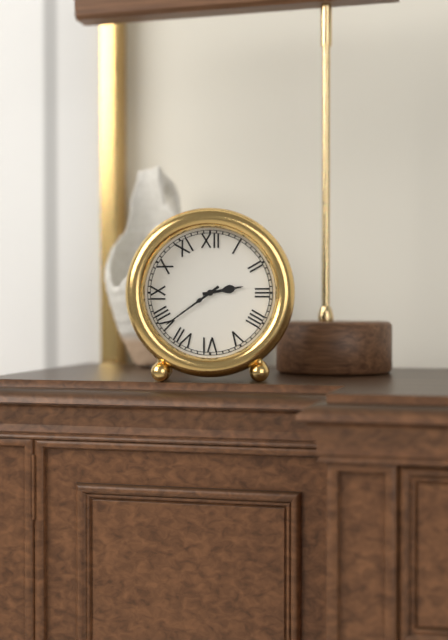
2:39
